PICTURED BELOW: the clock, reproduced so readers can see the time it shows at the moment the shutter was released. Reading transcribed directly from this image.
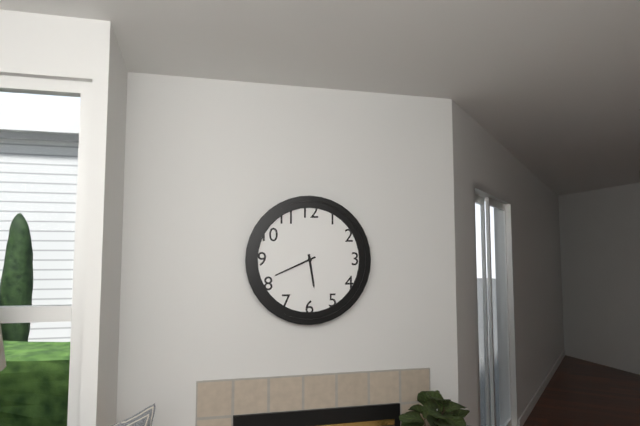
5:41
